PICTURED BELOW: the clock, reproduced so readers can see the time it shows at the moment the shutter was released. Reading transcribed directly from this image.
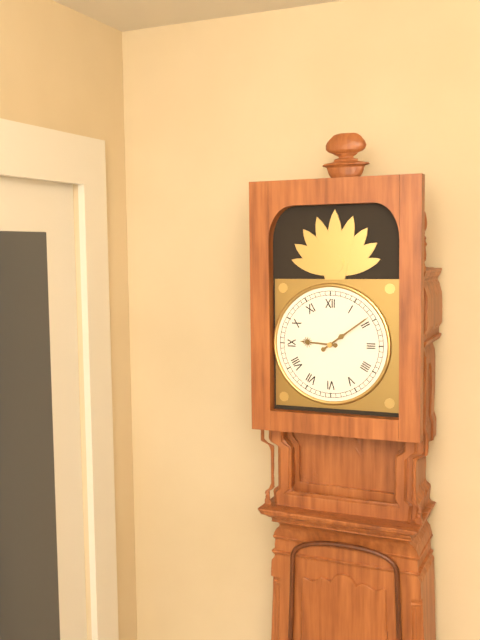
9:09
